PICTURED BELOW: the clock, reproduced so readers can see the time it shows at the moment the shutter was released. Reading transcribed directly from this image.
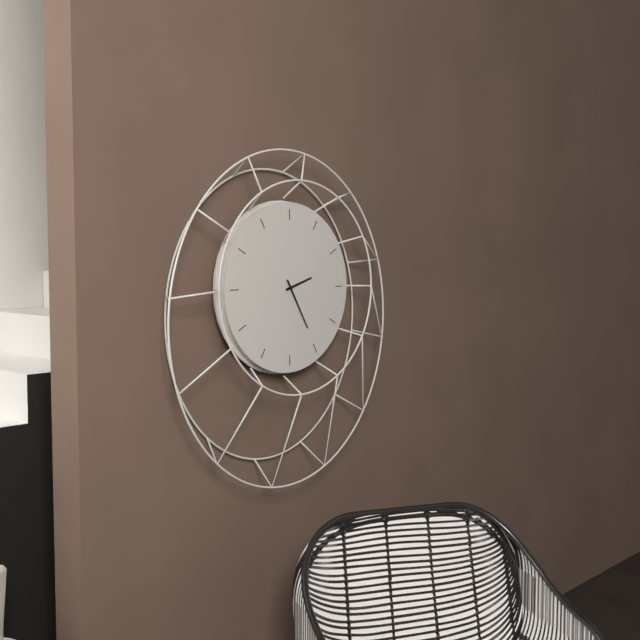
2:25
